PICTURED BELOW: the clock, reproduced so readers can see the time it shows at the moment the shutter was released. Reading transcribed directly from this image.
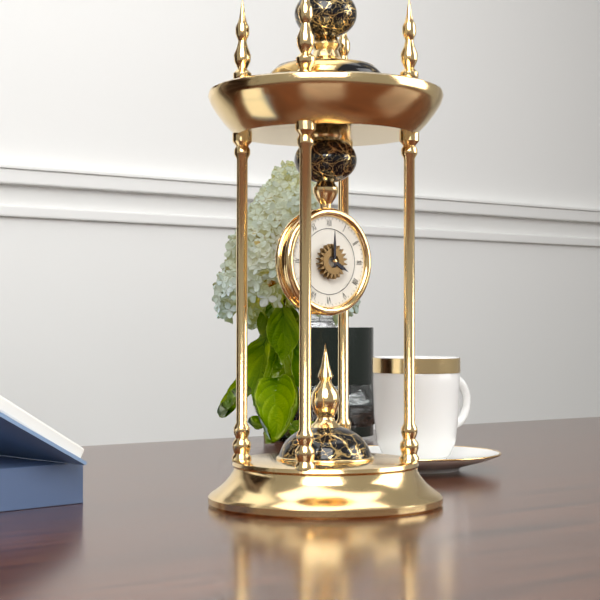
4:00
